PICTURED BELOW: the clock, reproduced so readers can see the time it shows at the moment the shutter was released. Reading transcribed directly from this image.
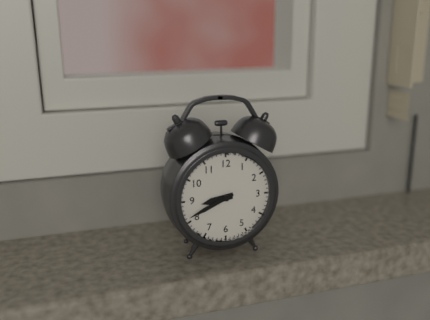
8:41
